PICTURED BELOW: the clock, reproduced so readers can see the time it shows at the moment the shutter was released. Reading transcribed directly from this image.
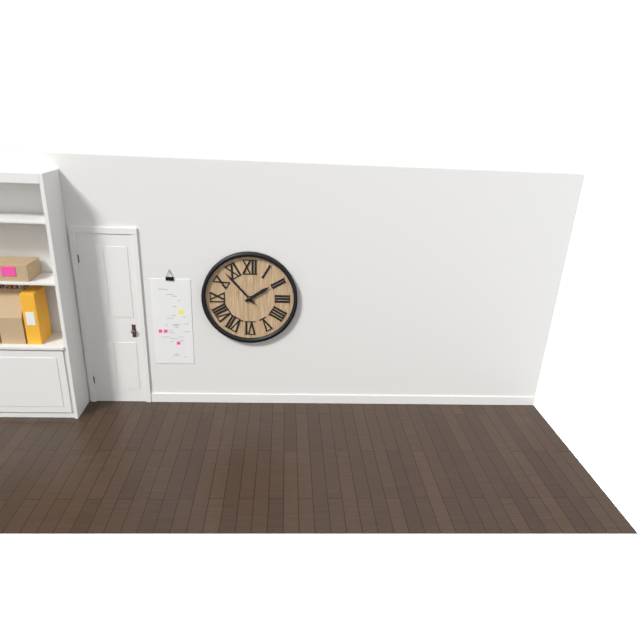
1:53
